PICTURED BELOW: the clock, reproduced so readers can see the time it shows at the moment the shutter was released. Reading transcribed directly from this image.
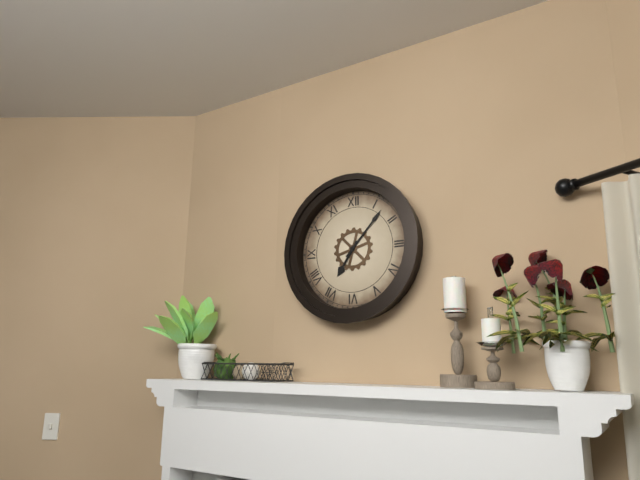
7:07
